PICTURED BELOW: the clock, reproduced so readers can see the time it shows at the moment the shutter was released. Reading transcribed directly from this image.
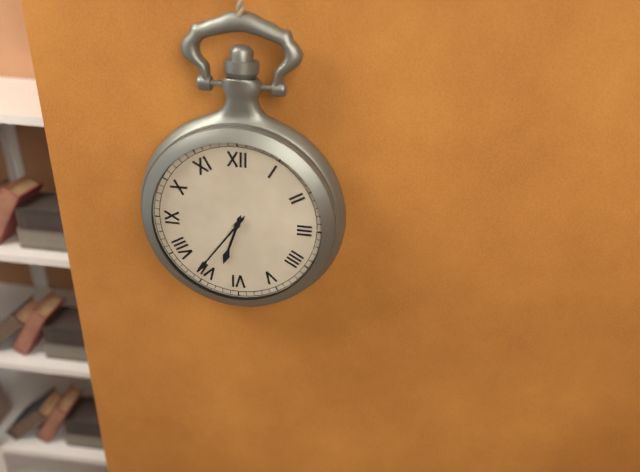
6:36
